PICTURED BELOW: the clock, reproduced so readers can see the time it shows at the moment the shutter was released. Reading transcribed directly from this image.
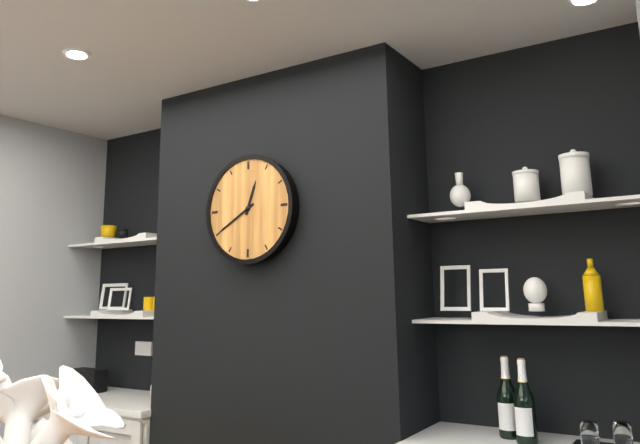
12:40
